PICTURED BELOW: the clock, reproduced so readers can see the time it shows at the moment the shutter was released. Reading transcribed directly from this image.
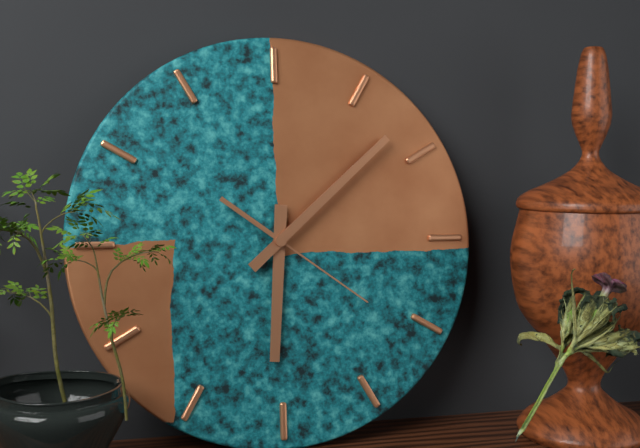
6:08:21
